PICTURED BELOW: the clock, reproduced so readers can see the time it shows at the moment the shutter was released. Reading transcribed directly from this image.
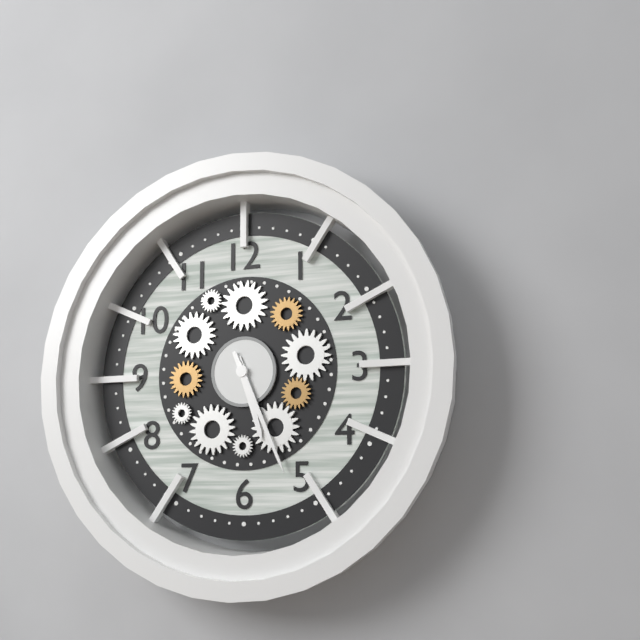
5:26
